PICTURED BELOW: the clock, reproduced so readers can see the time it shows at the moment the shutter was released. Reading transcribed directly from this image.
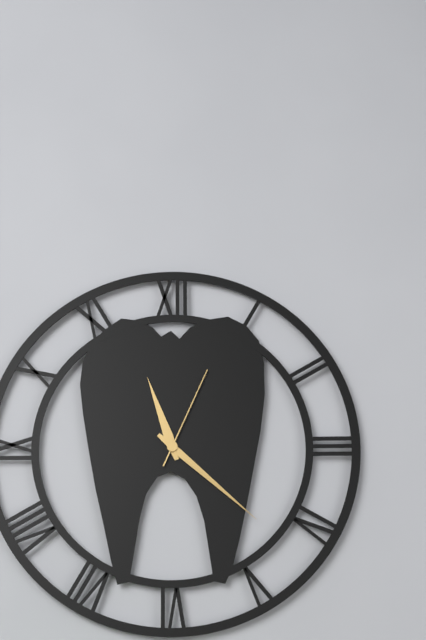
11:22:04
